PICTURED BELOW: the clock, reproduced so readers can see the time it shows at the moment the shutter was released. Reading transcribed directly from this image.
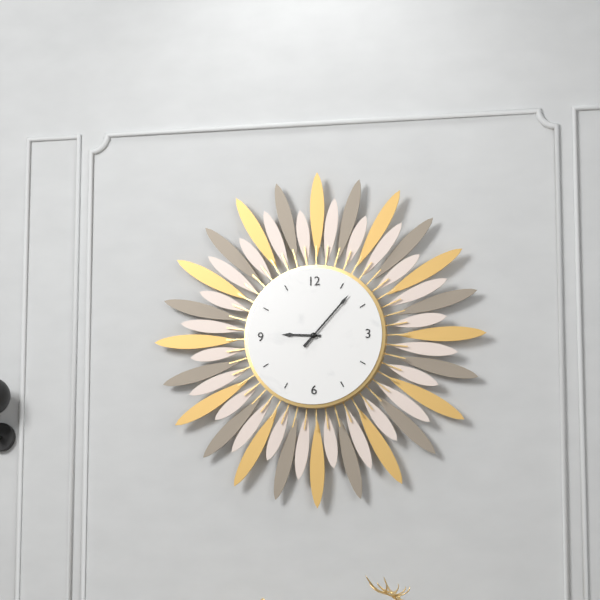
9:07
